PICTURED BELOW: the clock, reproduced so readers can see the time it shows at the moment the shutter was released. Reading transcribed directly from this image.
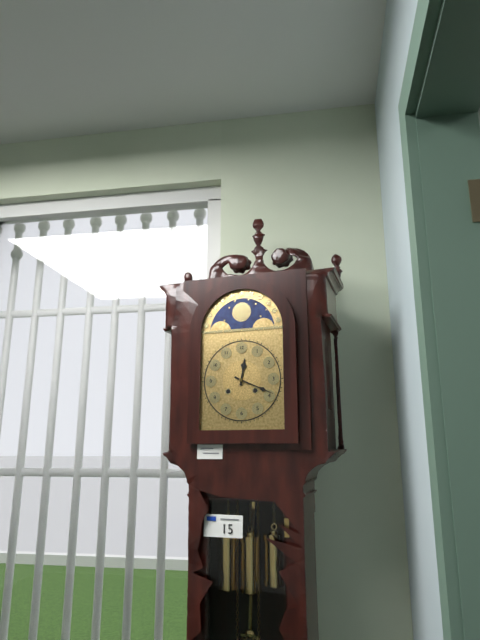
12:19
